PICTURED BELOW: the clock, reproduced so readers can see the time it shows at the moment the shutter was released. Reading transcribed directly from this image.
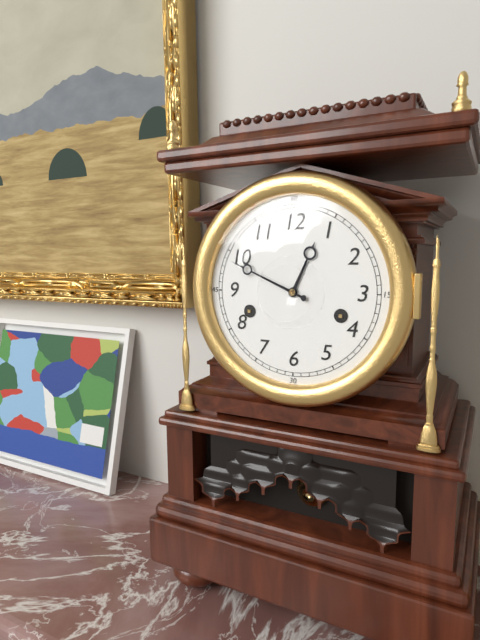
12:49
